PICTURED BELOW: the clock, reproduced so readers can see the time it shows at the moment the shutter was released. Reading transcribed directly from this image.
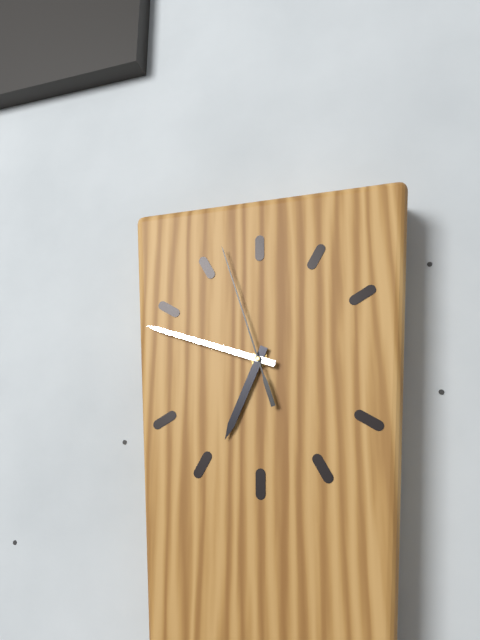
6:48:57
